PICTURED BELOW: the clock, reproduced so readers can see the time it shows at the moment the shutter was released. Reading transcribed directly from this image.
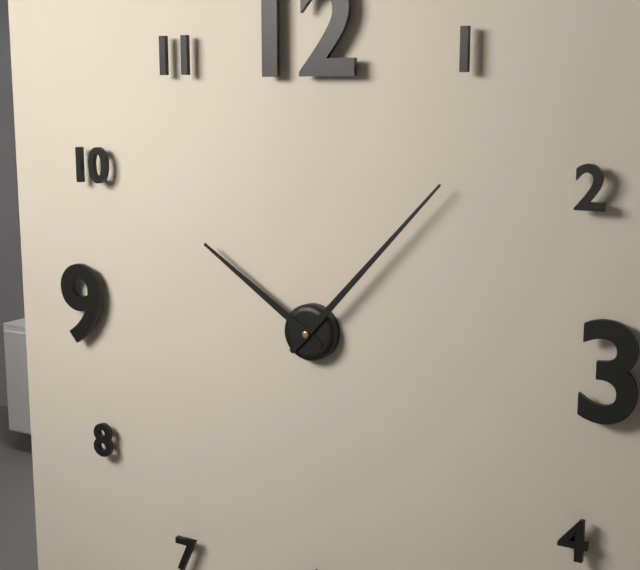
10:07
